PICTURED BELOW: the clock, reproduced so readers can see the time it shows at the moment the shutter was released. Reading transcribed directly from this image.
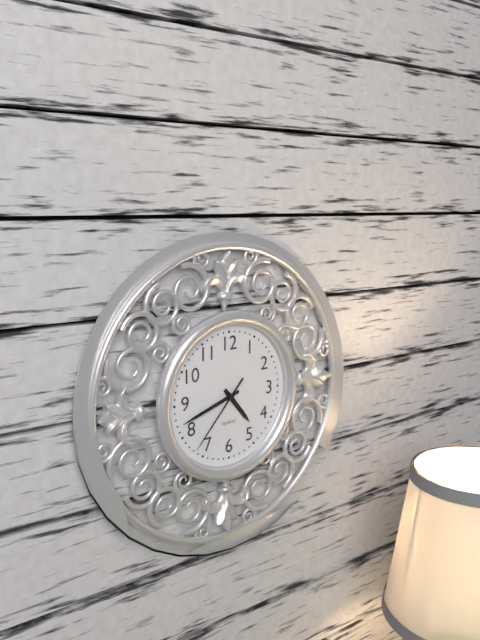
4:42:37
